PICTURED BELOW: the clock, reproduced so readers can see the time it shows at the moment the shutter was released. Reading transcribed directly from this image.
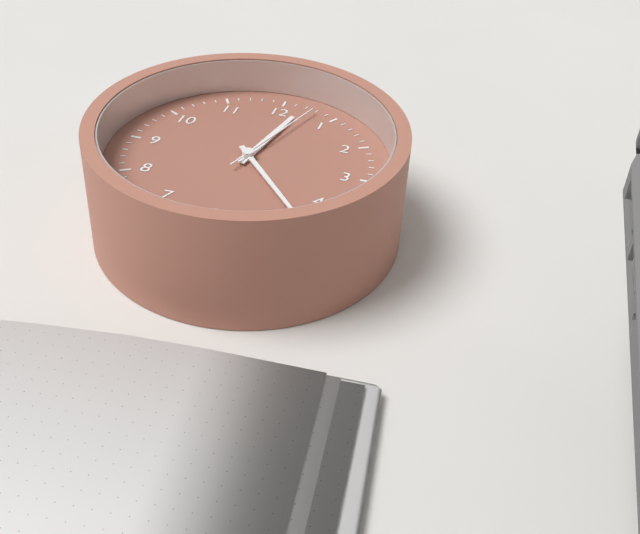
12:23:03
